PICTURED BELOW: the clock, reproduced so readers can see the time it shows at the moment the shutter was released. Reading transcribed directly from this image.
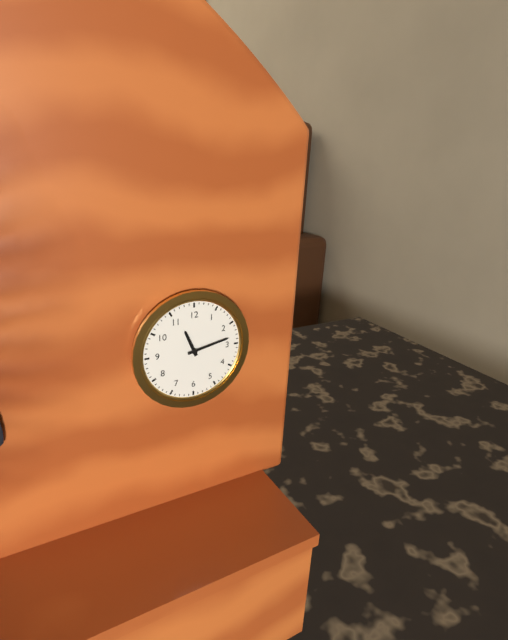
11:13
